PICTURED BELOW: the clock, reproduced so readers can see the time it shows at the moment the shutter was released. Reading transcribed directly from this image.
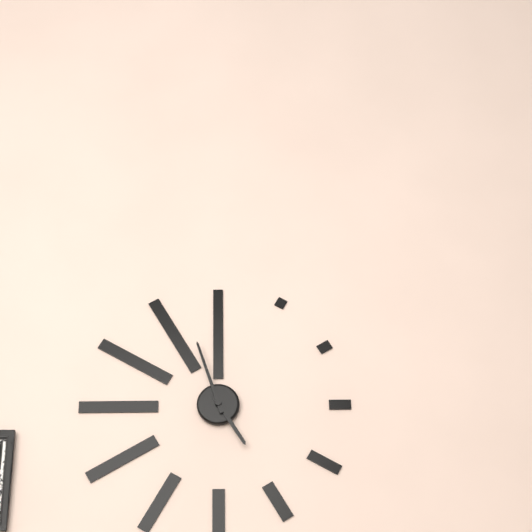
4:57
